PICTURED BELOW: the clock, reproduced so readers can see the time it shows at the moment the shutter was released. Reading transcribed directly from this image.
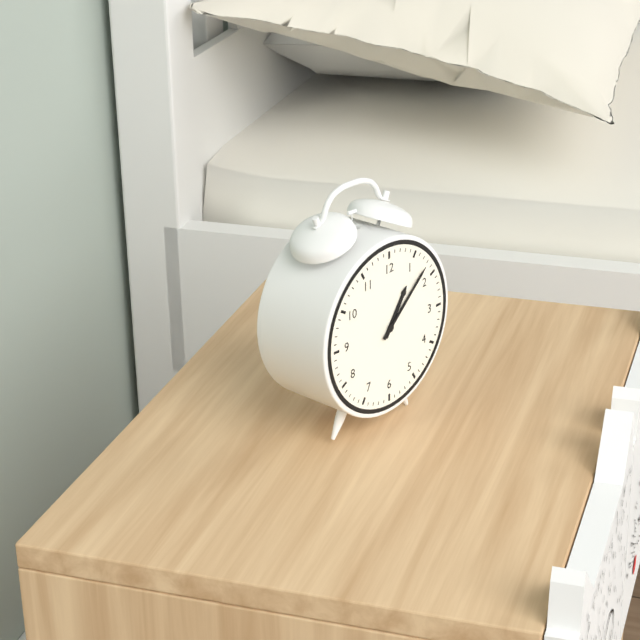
1:08
